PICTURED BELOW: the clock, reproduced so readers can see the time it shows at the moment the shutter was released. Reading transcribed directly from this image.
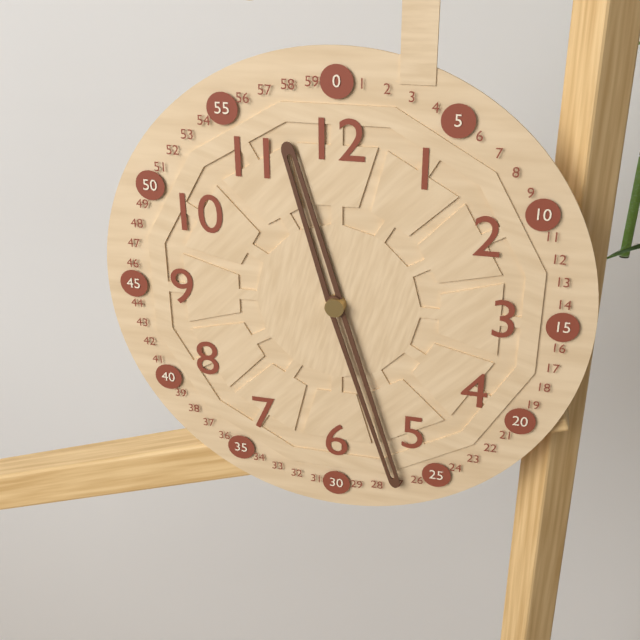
11:27
